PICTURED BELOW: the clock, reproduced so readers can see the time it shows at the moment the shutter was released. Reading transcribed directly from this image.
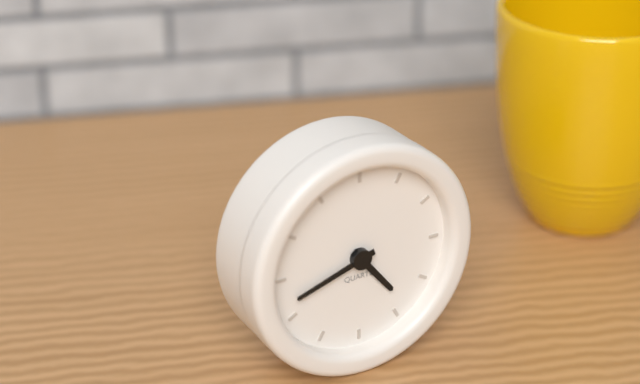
4:42
